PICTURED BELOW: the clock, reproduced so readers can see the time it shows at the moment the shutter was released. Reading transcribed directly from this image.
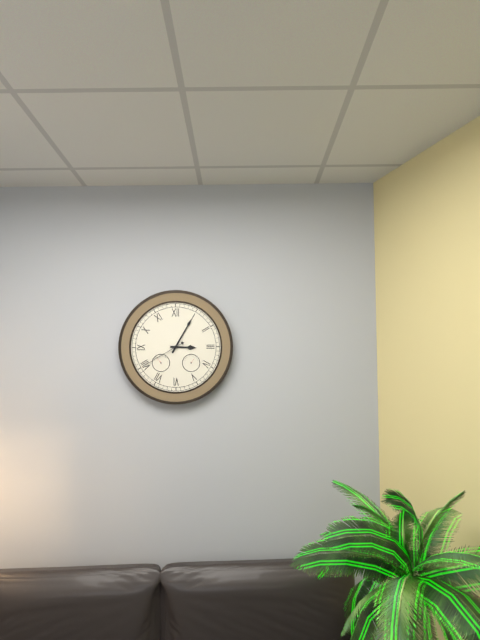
3:05
